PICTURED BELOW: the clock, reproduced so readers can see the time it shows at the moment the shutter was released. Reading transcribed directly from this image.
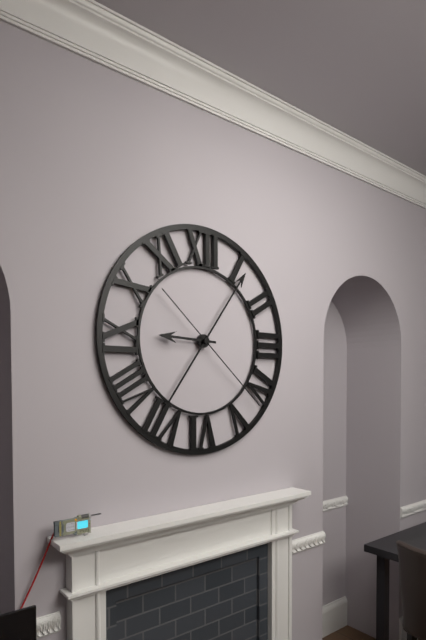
9:06:22
